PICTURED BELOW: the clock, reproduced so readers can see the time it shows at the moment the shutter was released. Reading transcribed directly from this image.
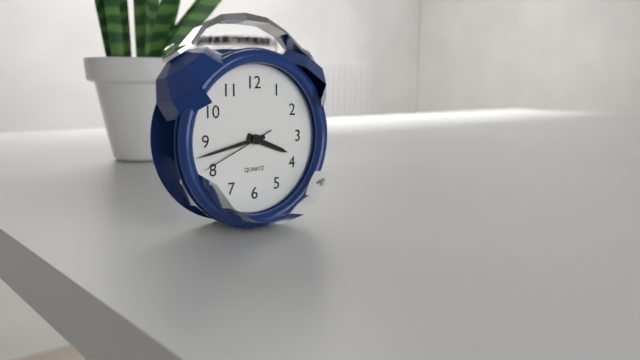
3:43:41
